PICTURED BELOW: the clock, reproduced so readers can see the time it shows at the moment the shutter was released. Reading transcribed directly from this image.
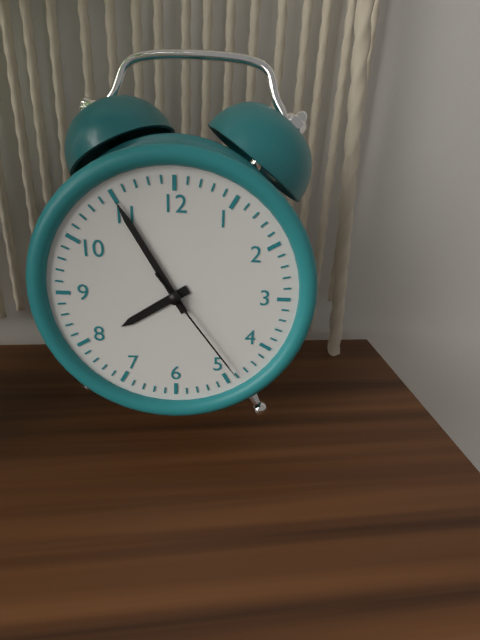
7:55:24
